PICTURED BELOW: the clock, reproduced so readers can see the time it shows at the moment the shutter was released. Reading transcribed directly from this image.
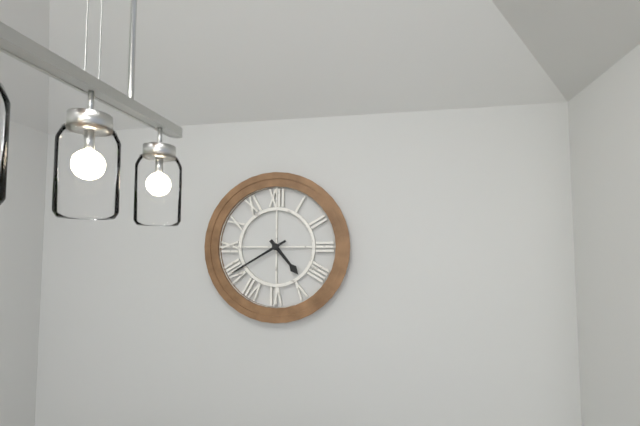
4:40
